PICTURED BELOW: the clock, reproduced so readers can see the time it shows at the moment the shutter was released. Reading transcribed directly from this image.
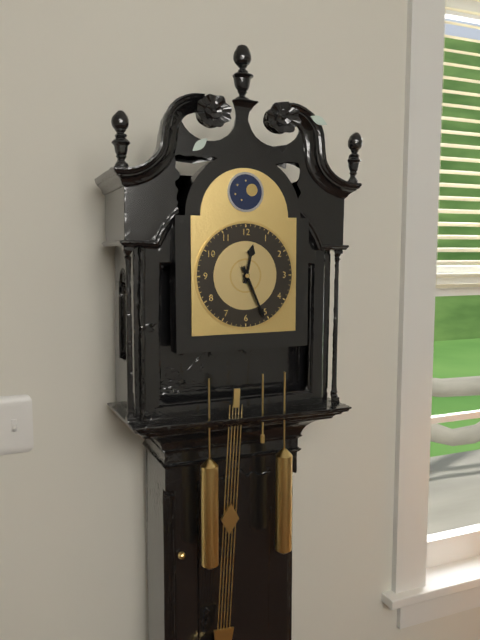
12:26
